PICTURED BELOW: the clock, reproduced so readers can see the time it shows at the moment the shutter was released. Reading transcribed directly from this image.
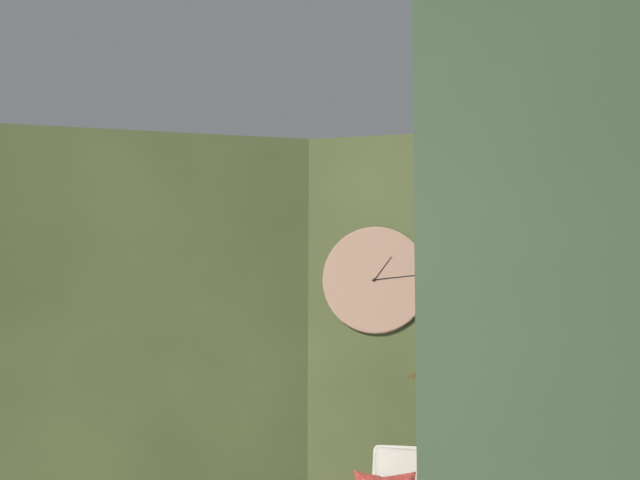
1:14
